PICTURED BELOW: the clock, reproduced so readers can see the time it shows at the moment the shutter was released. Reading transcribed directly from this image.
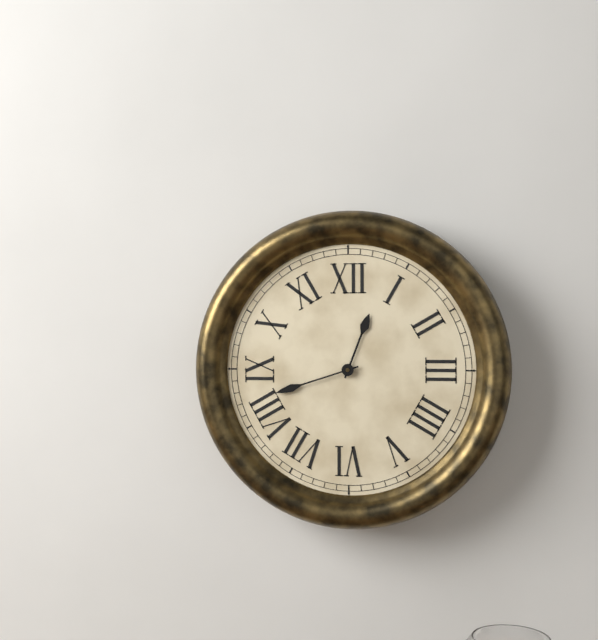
12:42
